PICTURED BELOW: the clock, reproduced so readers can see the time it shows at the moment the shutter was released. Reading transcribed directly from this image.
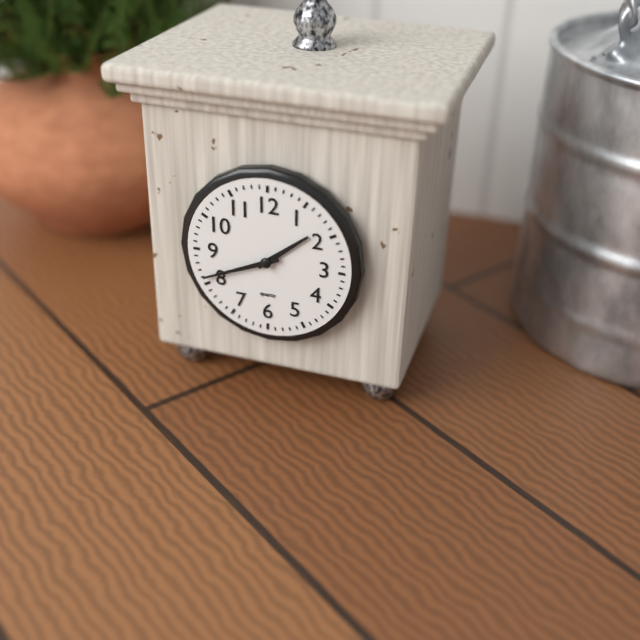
1:41
